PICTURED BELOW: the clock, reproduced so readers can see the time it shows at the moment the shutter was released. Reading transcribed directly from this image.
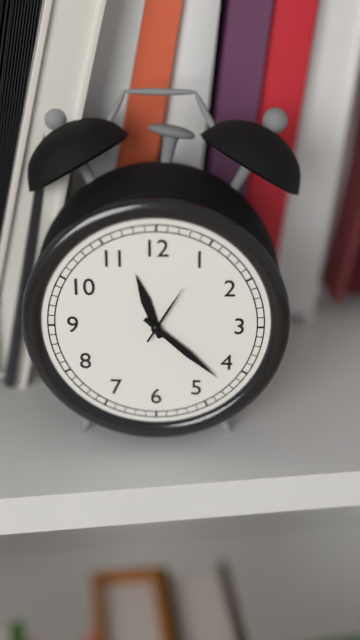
11:22:05
